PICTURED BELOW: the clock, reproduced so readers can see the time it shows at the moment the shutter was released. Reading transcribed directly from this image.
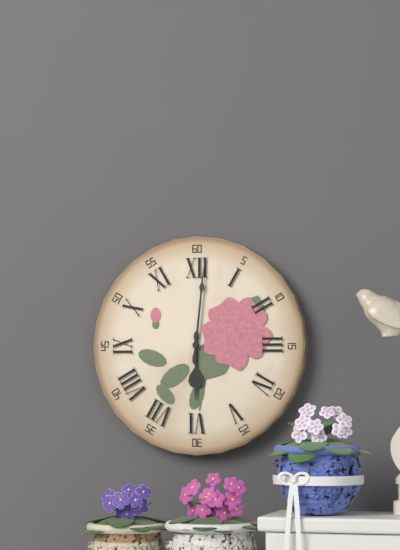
6:01
